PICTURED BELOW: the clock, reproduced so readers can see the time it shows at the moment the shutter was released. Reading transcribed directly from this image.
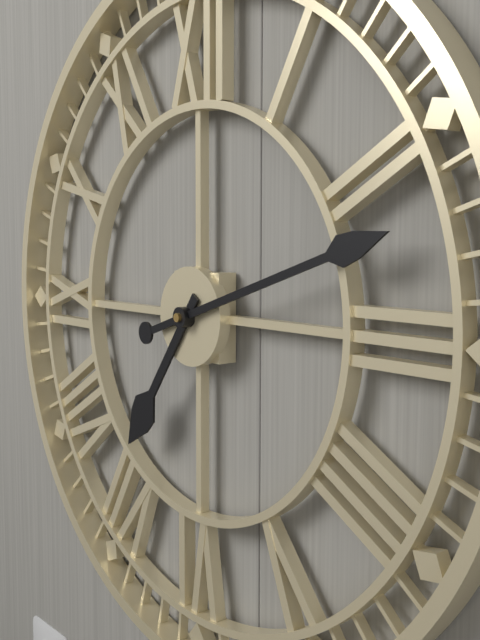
7:12
